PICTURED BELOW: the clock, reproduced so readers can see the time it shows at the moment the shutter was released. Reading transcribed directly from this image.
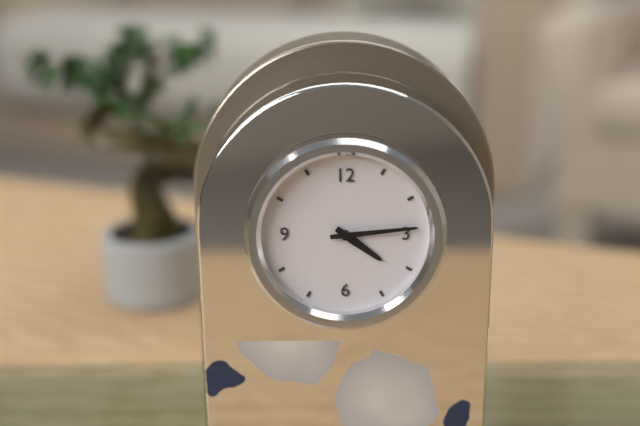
4:14
